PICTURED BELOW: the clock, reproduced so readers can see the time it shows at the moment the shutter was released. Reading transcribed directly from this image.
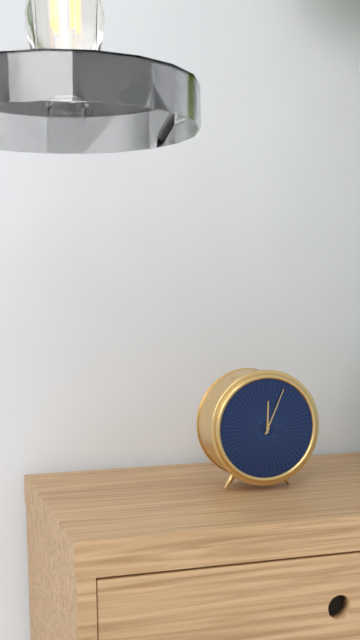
12:04
